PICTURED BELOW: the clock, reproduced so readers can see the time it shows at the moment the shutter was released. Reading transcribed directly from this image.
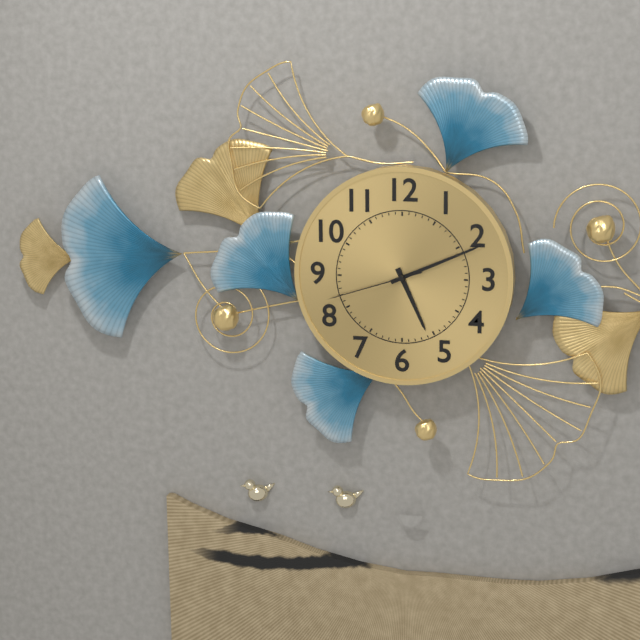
5:11:42
